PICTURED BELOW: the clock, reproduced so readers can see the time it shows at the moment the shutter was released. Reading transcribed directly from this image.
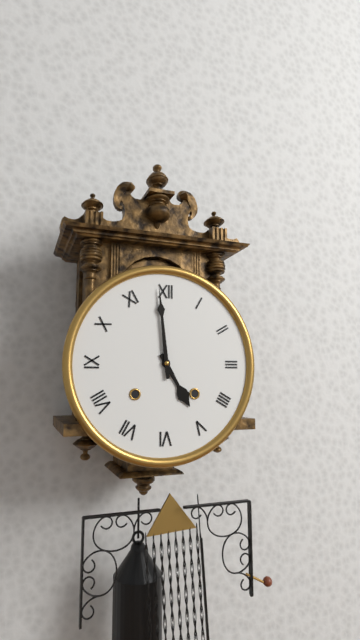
4:59
